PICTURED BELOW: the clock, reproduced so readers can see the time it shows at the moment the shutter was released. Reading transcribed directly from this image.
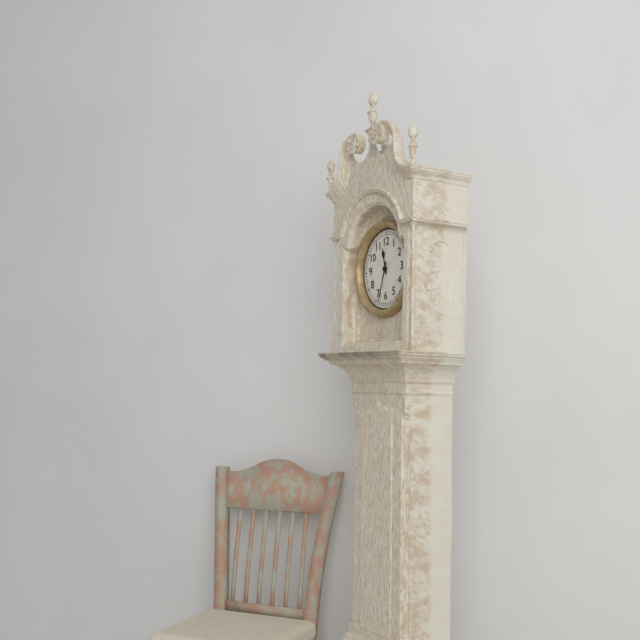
11:33
